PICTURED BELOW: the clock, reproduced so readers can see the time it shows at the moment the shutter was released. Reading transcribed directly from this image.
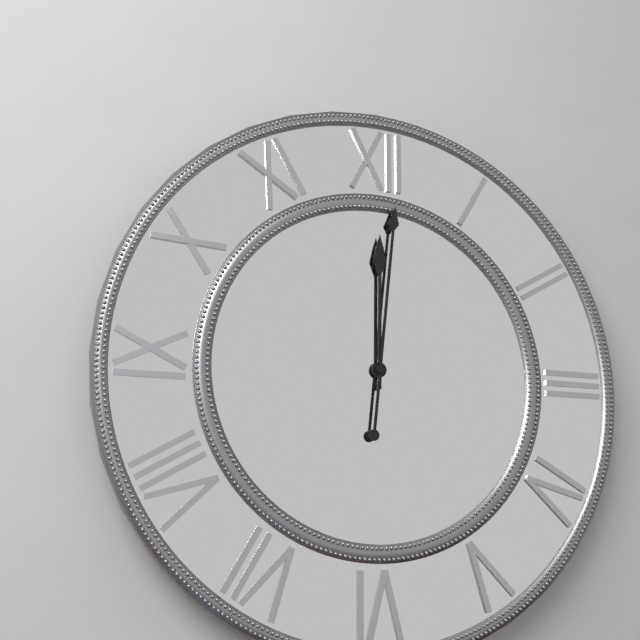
12:01
